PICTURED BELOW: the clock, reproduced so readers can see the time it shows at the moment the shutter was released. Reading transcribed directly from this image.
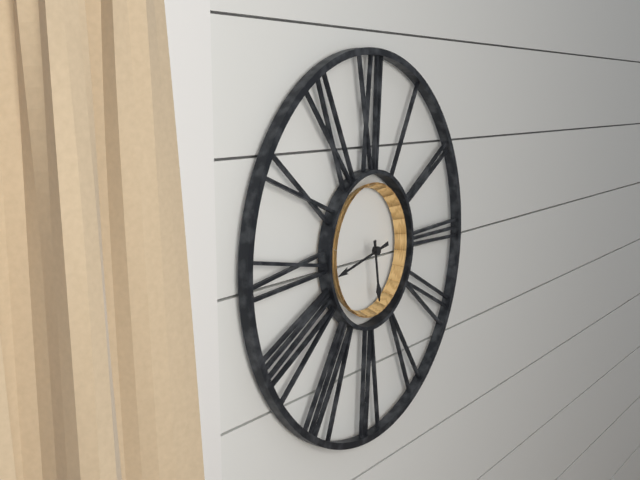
5:43
